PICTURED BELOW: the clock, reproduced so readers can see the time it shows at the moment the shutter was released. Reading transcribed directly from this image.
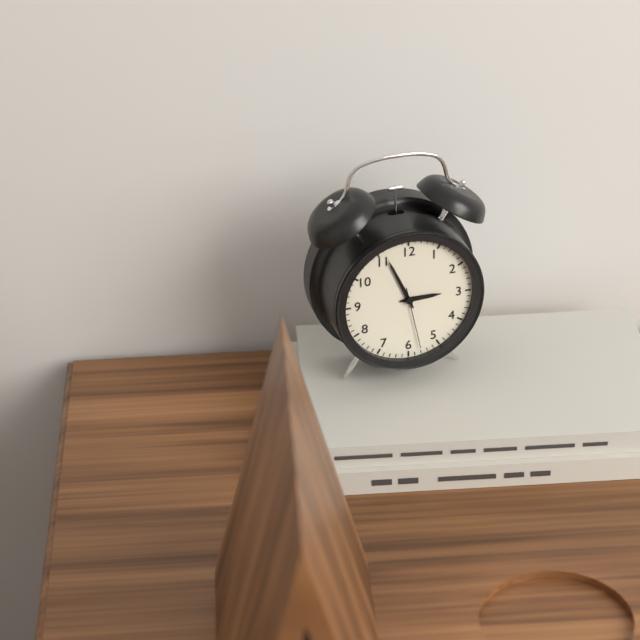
2:56:28
